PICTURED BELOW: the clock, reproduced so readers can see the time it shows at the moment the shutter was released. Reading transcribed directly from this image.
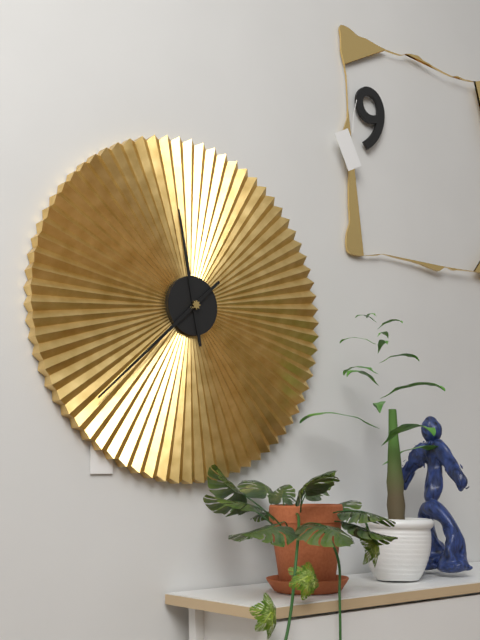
11:38
